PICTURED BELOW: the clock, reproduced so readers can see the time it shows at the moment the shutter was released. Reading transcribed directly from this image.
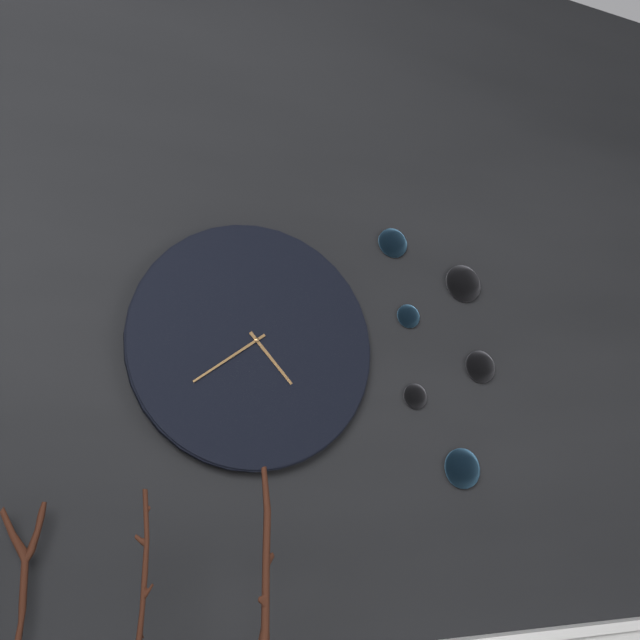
4:39
